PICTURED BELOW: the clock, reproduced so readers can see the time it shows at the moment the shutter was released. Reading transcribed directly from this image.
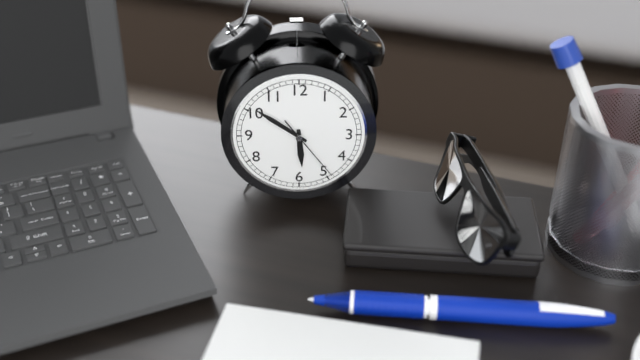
5:51:24
